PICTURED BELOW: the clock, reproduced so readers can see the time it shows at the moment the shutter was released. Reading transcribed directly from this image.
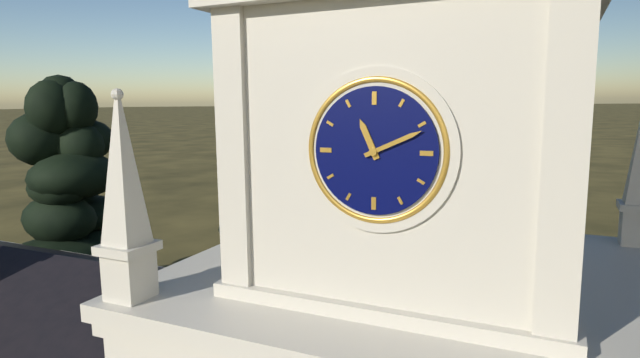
11:11
